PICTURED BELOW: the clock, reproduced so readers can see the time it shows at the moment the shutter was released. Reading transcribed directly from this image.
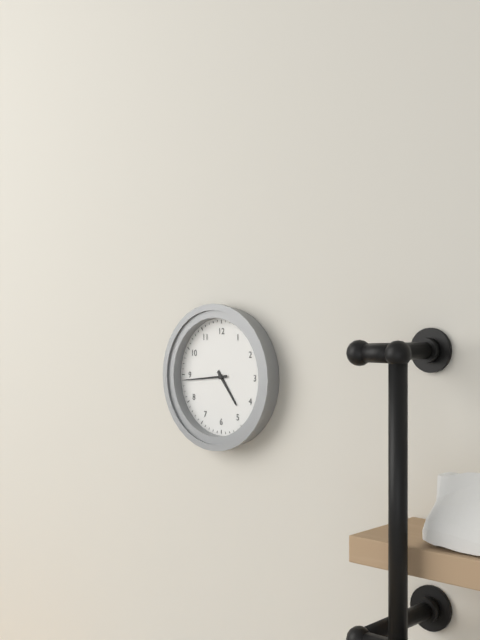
4:44
